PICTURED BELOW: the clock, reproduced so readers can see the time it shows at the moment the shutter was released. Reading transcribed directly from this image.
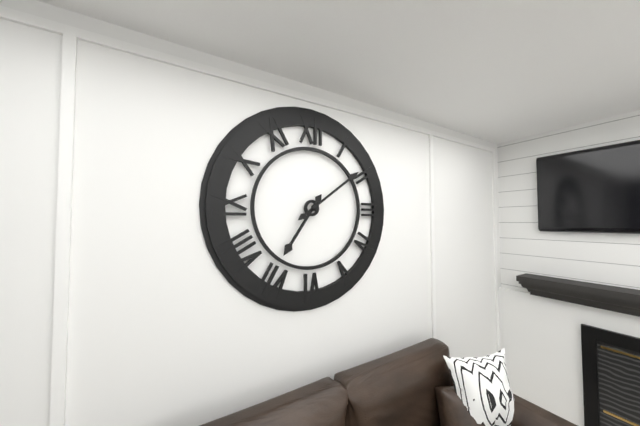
7:09
